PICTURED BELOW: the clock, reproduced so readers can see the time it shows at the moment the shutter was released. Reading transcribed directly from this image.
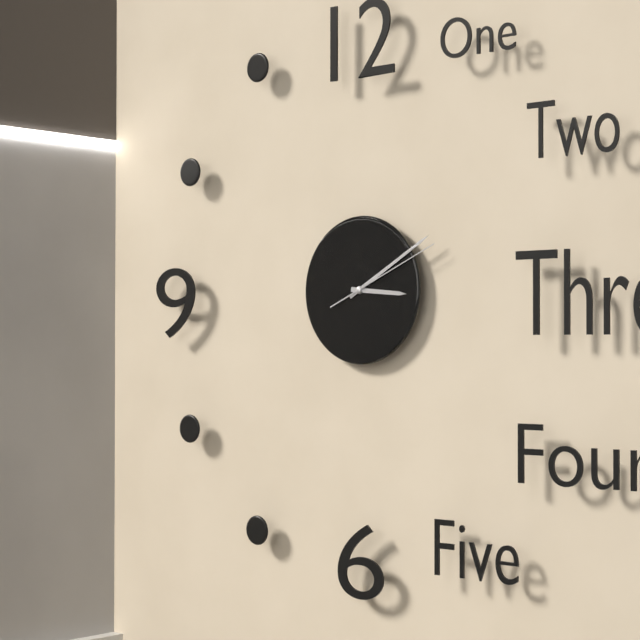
3:10:11
